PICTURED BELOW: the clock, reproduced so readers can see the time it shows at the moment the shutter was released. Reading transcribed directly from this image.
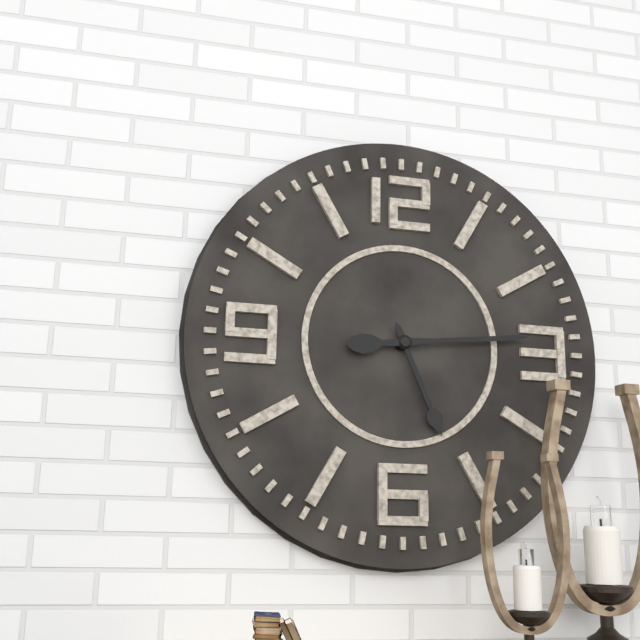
5:14
